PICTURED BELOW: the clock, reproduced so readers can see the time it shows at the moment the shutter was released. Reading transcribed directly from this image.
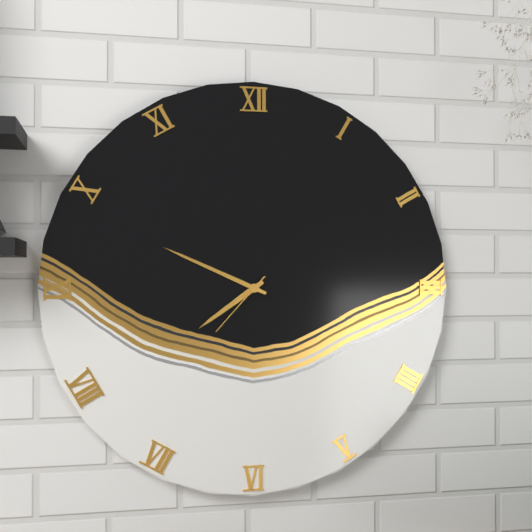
7:49:37
